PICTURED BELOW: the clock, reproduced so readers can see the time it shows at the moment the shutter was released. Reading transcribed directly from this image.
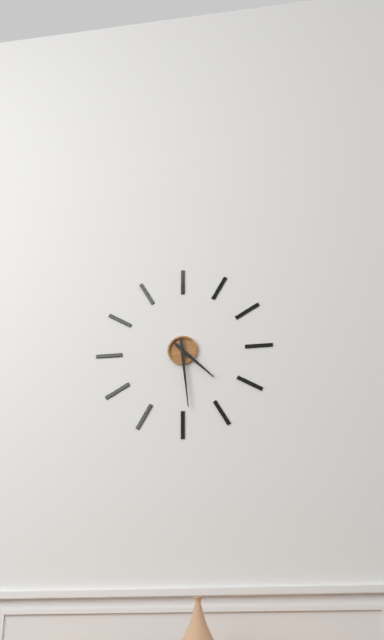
4:29
